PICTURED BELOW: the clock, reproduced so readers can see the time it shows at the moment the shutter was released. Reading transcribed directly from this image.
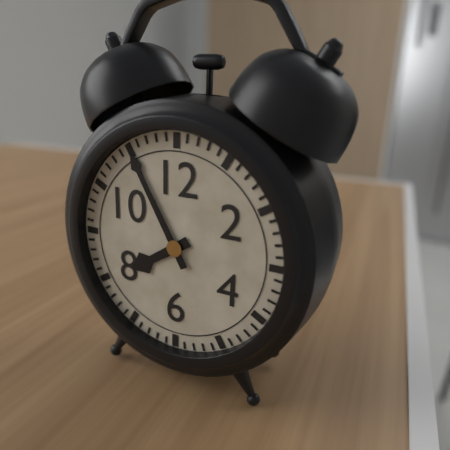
7:55
